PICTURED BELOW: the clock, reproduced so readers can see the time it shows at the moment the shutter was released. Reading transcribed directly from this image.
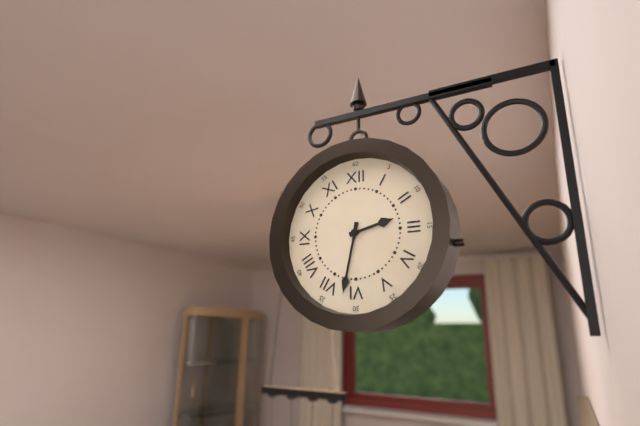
2:32
